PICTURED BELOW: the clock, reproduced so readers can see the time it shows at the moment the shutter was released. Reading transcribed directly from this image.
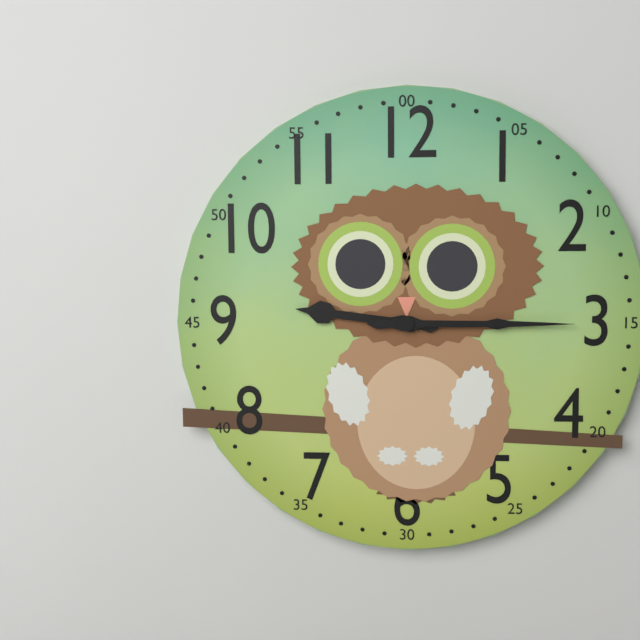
9:15
